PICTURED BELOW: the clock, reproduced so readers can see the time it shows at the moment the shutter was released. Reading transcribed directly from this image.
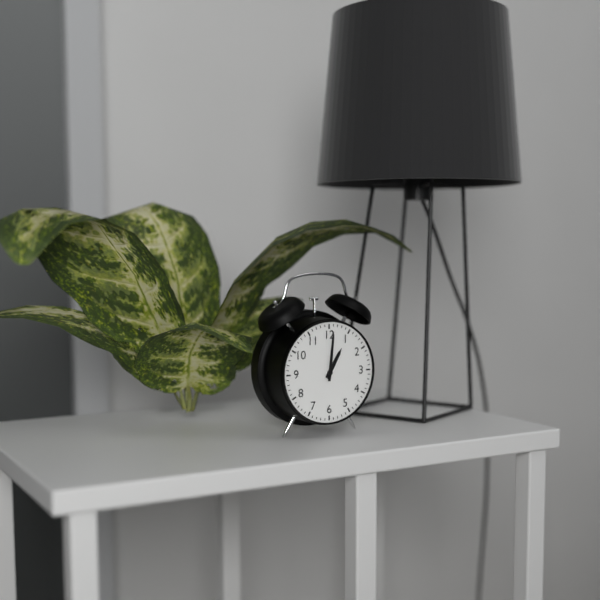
1:01
